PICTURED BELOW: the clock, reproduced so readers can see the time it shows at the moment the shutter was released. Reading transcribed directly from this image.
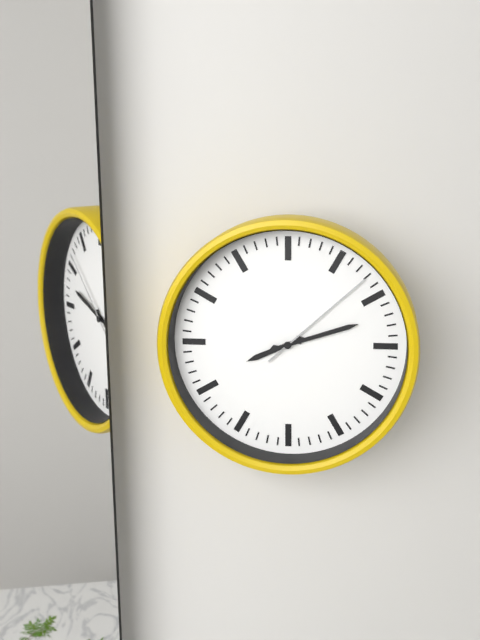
8:12:08
